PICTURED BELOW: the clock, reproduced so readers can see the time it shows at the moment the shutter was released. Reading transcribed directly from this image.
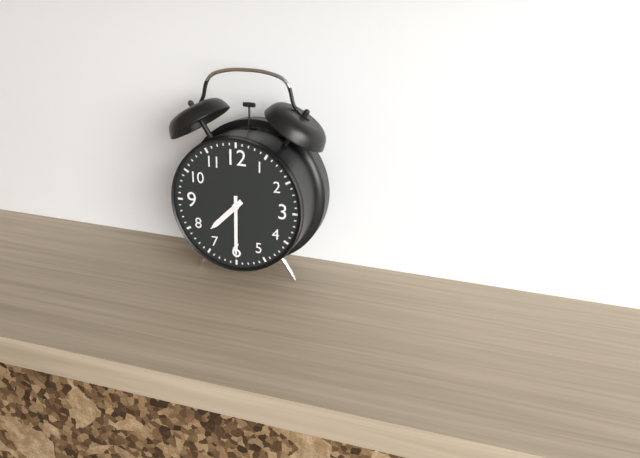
7:30
